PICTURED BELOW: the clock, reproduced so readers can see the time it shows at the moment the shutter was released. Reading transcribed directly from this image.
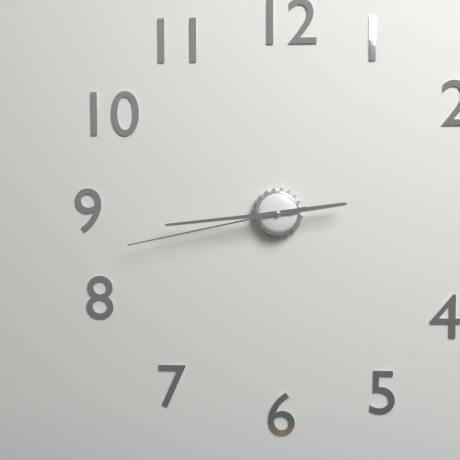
2:44:43
